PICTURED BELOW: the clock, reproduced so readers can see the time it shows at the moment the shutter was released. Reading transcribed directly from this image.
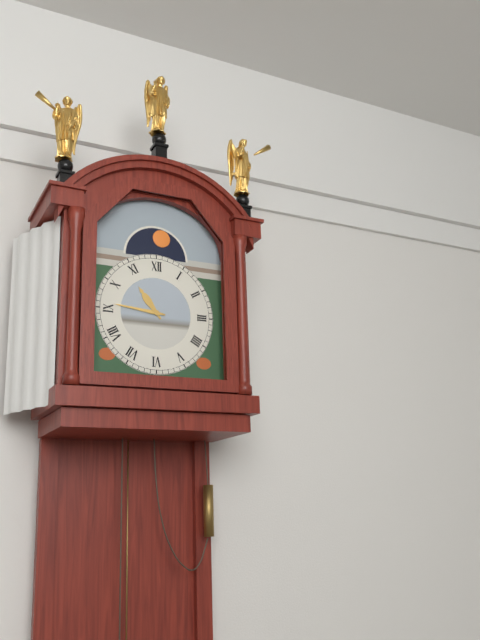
10:46
